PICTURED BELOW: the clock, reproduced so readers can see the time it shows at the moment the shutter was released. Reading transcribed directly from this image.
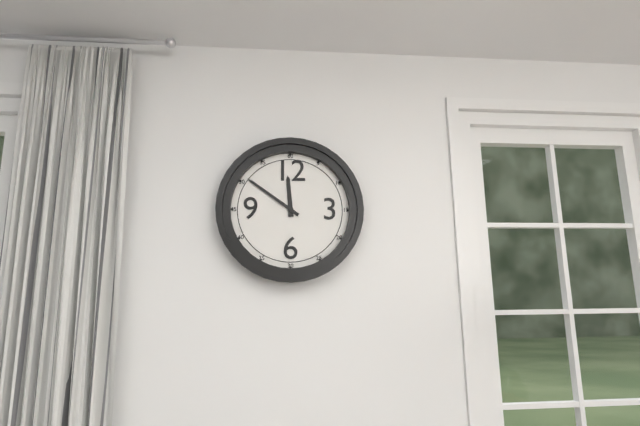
11:51
